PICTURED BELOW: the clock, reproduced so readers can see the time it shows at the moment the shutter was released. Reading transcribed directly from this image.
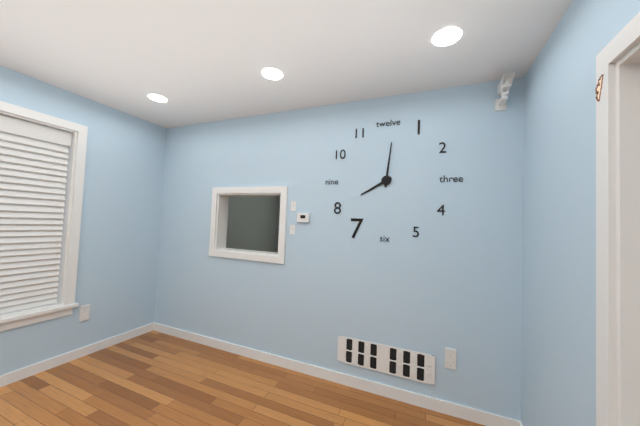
8:01
